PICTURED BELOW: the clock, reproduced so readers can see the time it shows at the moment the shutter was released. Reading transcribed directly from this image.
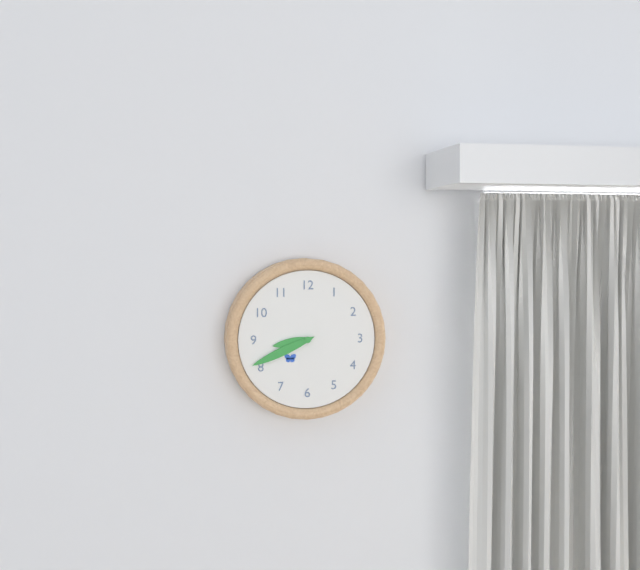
8:41
